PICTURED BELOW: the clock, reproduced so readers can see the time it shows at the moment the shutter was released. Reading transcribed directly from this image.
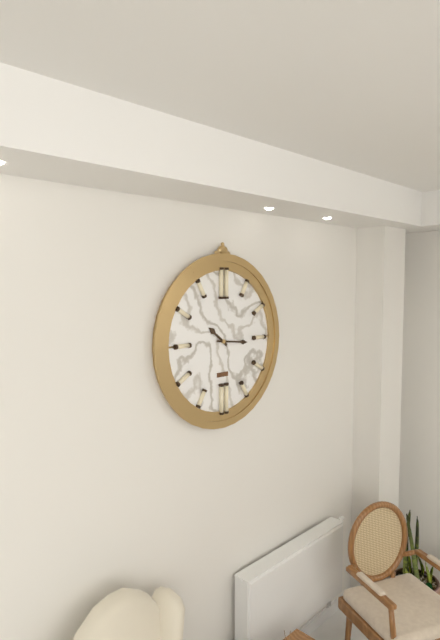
10:16
